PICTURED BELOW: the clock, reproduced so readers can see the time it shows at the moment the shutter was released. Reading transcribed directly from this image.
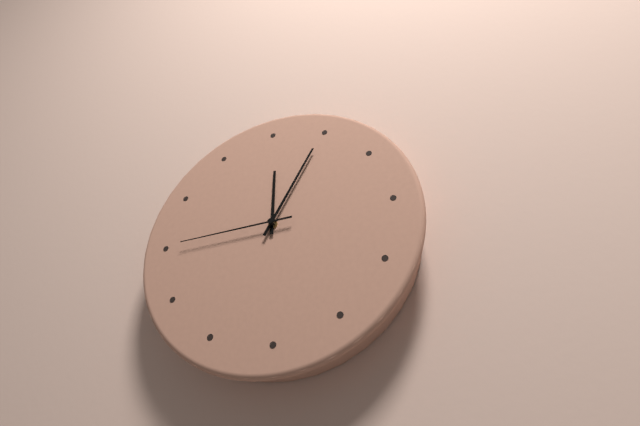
12:05:45
